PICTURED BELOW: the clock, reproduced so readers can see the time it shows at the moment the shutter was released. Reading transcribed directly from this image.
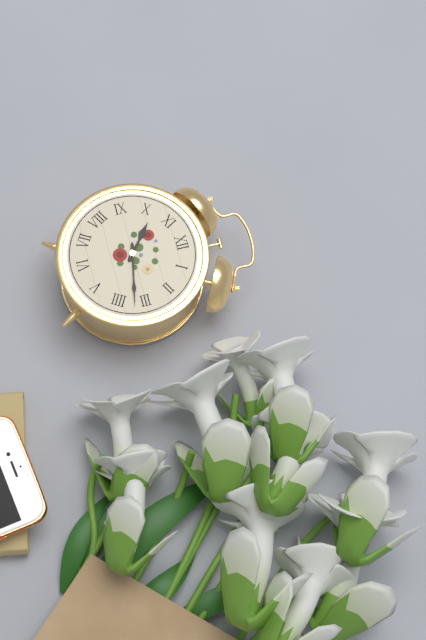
10:17
